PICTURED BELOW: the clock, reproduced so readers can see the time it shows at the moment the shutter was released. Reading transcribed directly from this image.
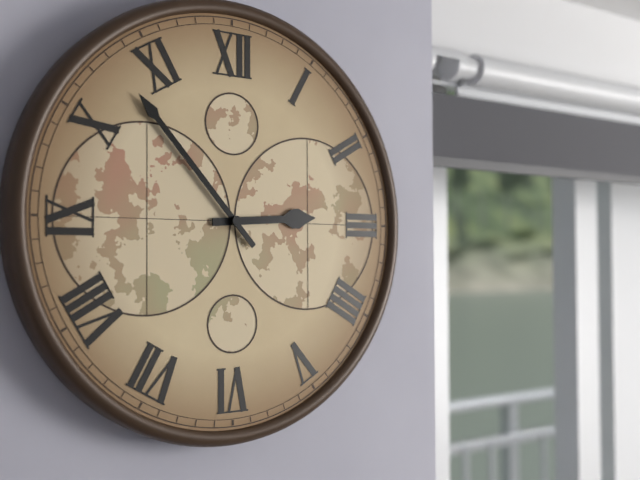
2:53
